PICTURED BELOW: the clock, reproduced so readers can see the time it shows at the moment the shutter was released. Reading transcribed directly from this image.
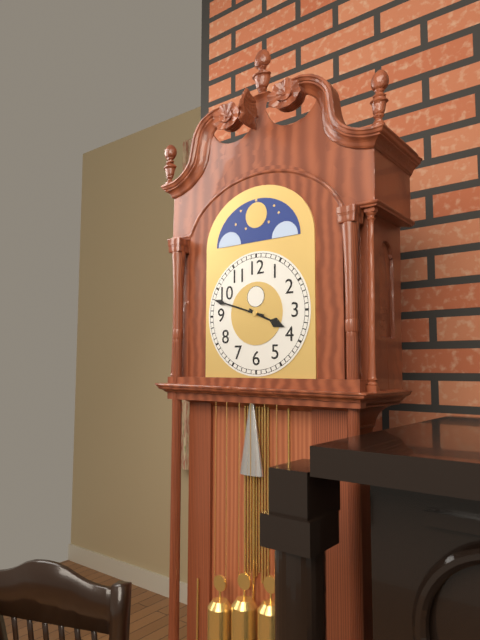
3:48
